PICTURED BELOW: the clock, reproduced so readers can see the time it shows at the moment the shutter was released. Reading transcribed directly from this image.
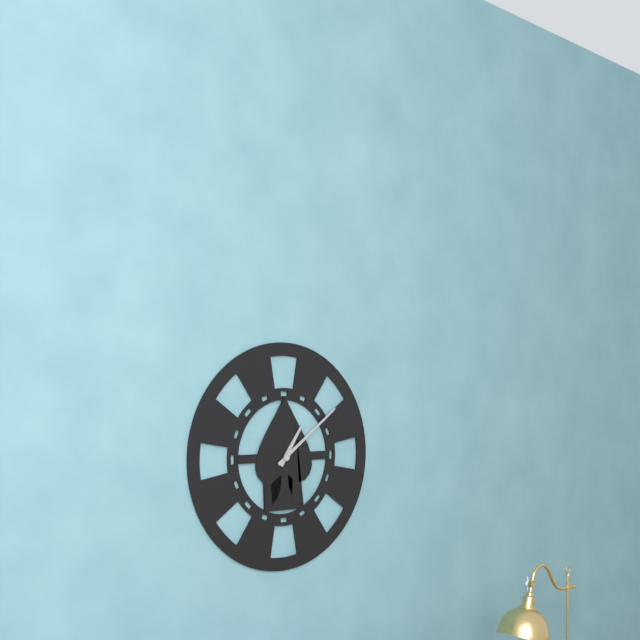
1:09
